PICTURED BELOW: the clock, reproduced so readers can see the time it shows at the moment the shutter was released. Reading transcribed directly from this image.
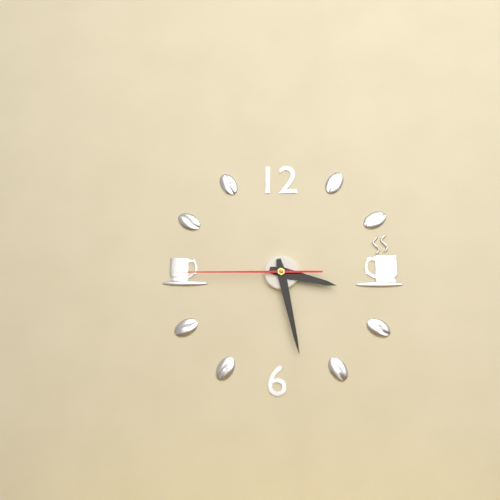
3:28:45
